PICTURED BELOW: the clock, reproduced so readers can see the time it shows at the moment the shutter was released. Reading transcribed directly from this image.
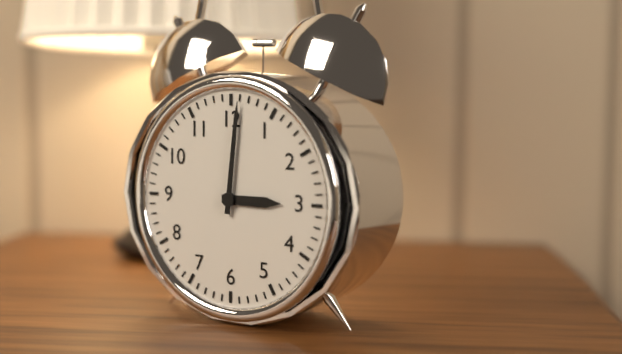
3:01
